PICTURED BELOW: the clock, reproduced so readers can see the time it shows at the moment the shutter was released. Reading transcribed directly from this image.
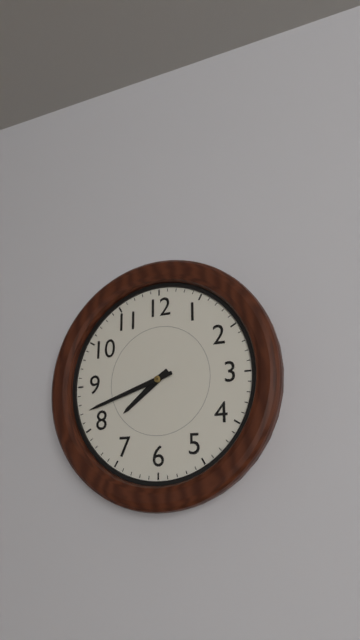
7:42
